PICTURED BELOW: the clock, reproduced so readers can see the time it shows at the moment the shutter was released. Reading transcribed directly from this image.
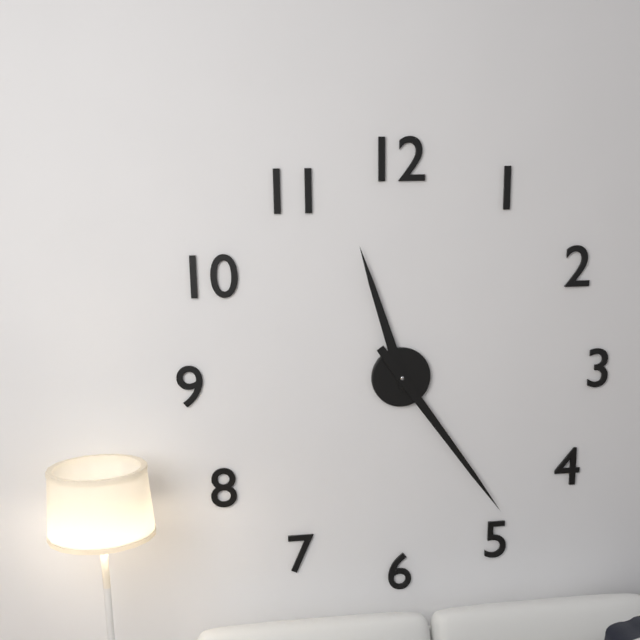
11:24
